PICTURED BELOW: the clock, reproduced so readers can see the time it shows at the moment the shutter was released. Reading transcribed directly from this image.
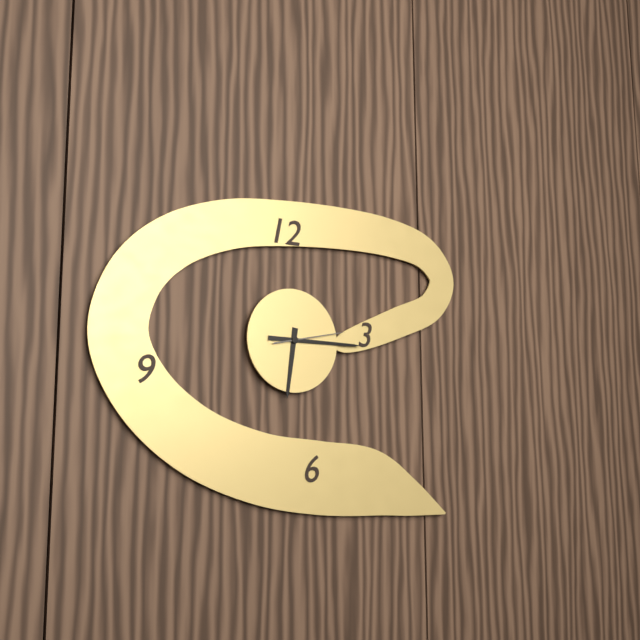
6:15:13
